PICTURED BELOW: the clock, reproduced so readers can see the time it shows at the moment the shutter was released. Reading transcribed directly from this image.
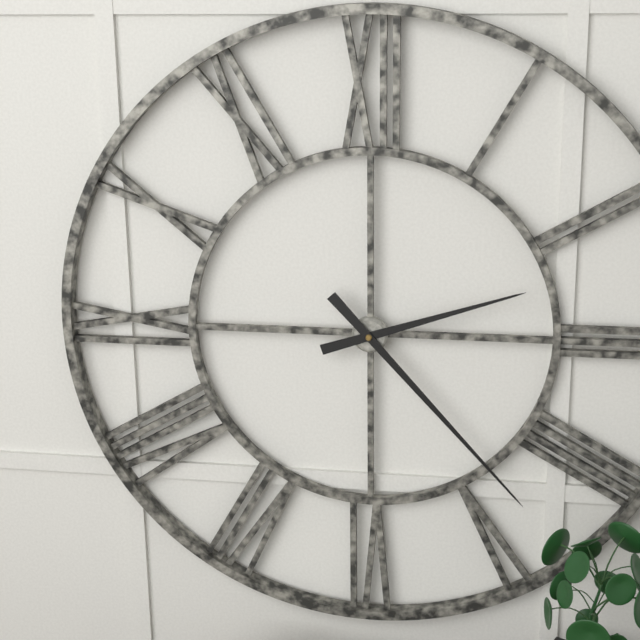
2:23
